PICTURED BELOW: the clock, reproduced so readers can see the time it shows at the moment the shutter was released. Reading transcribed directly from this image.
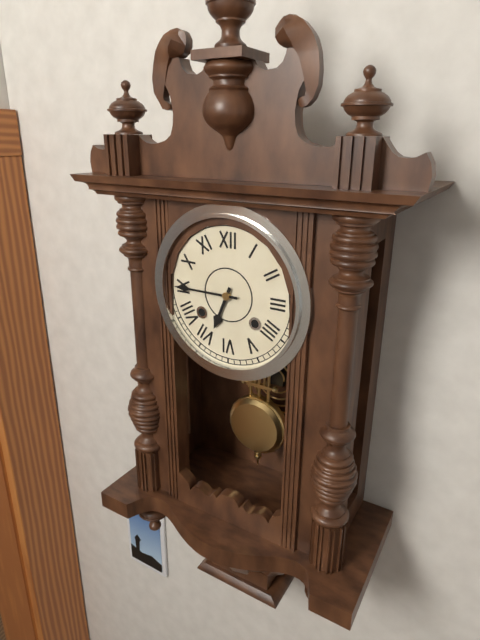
6:45
